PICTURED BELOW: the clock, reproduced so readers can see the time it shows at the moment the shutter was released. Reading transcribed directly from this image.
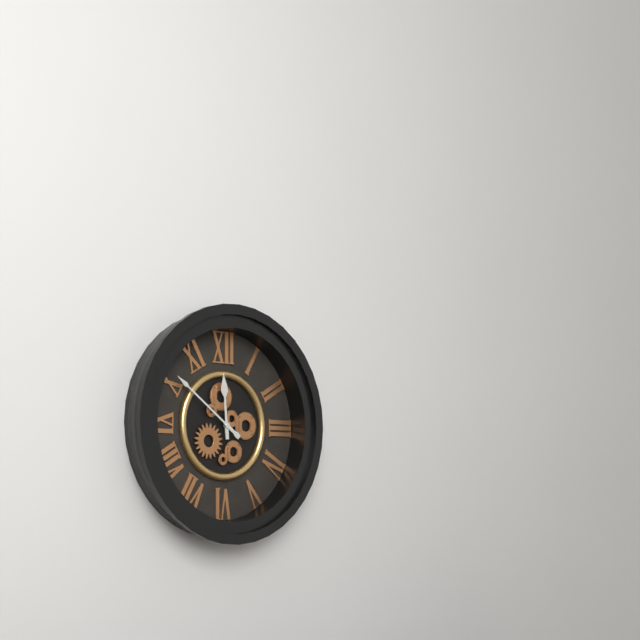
11:51
